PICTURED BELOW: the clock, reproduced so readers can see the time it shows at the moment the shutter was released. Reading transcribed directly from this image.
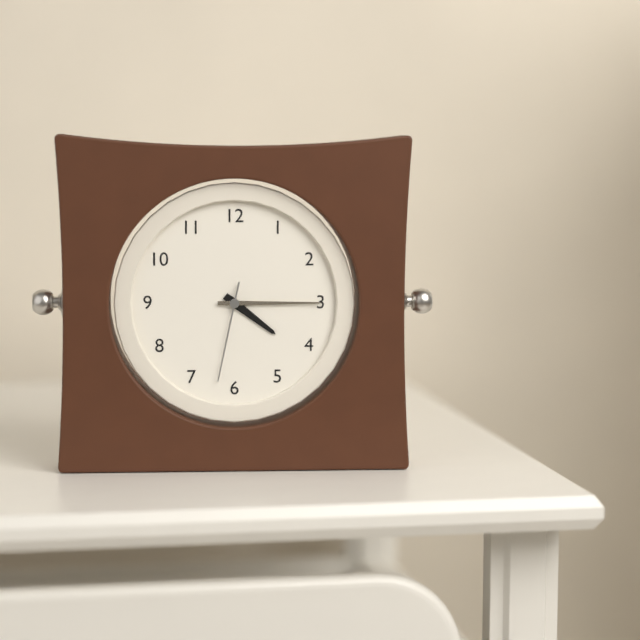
4:15:32
